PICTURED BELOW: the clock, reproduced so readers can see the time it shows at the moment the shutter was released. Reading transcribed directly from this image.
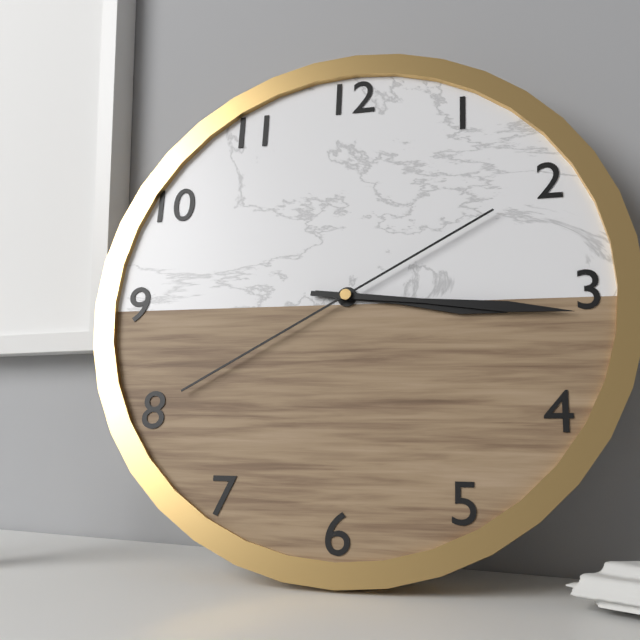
3:16:40
